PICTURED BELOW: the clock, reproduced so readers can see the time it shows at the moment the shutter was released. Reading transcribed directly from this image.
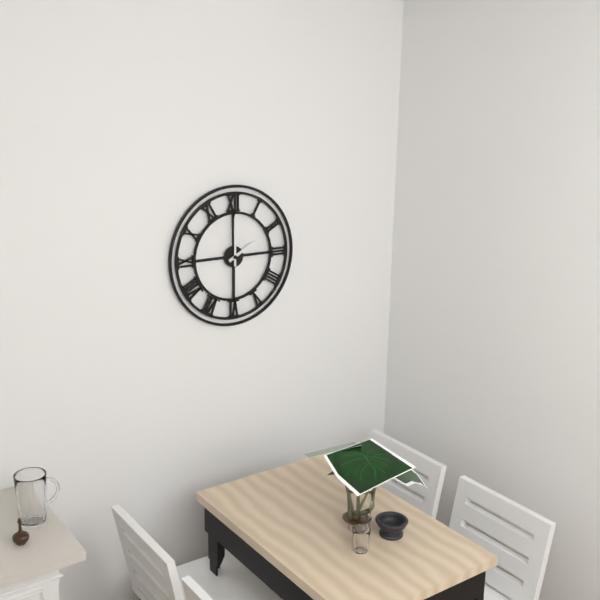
2:00
